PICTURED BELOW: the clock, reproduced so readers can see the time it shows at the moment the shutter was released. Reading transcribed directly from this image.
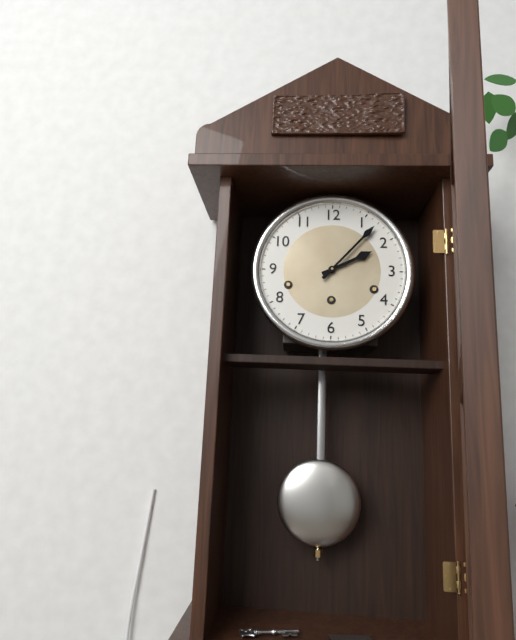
2:07
